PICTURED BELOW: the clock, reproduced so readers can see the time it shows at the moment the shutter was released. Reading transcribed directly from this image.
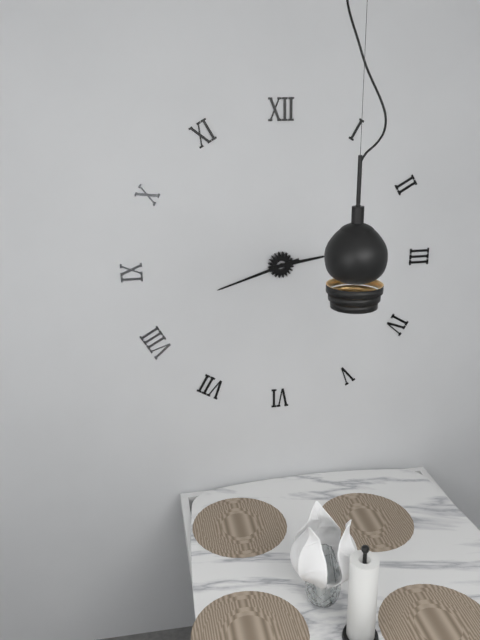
2:42
